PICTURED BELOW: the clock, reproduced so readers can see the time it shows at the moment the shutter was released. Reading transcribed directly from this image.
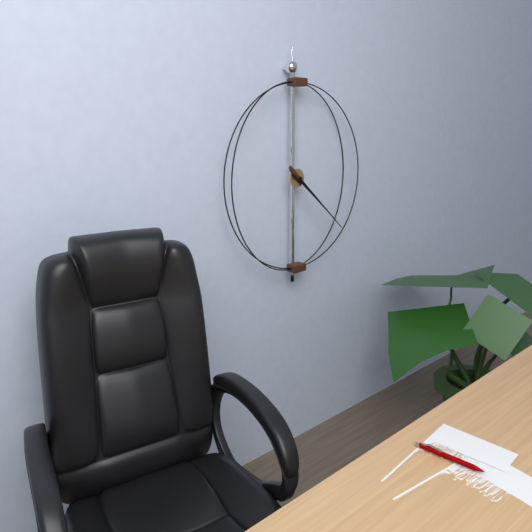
4:22
